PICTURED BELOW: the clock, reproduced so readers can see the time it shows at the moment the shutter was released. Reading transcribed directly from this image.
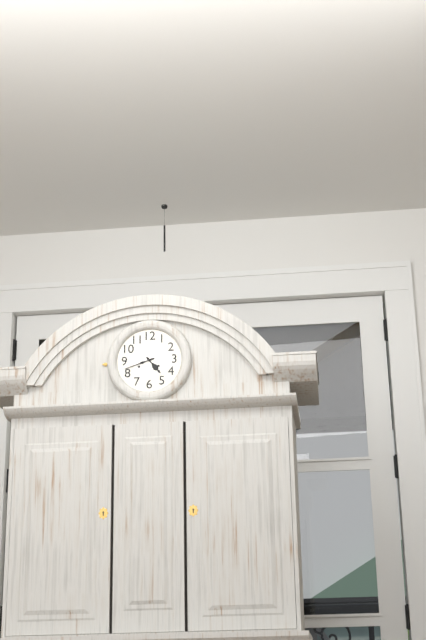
4:42
